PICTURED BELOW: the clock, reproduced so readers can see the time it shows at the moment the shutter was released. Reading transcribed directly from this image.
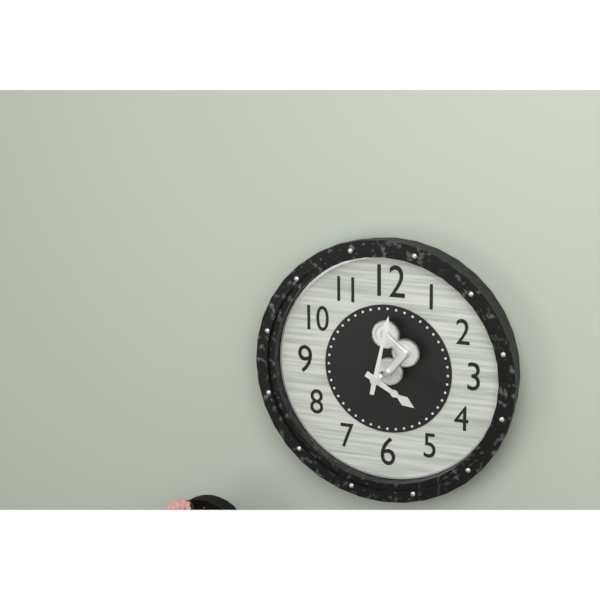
4:02
